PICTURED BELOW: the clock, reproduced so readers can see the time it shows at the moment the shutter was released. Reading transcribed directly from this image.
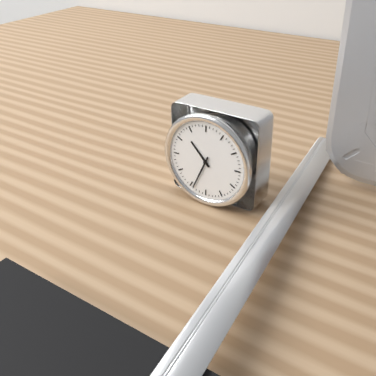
10:34
